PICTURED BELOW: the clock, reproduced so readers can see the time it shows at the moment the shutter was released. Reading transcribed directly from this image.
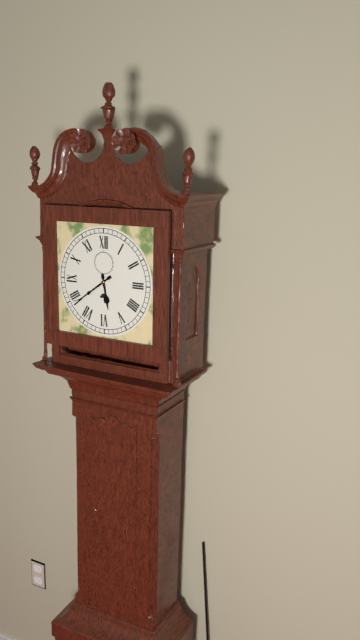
5:39
